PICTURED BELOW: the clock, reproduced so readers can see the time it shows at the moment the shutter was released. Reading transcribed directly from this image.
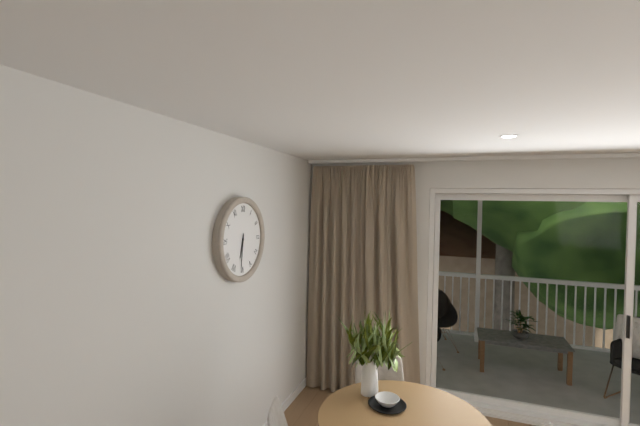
6:31
